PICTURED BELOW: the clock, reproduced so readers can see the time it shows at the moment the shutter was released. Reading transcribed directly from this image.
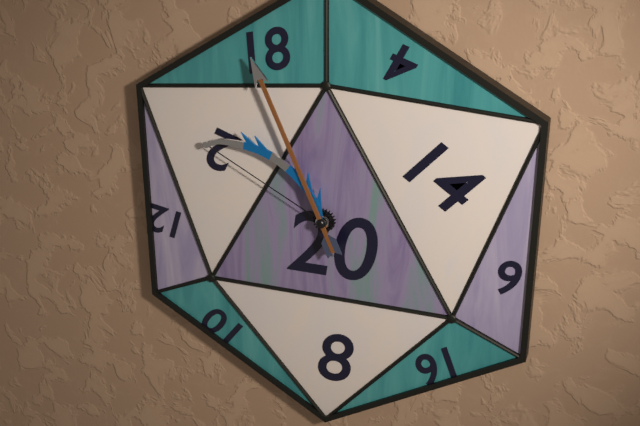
9:56
